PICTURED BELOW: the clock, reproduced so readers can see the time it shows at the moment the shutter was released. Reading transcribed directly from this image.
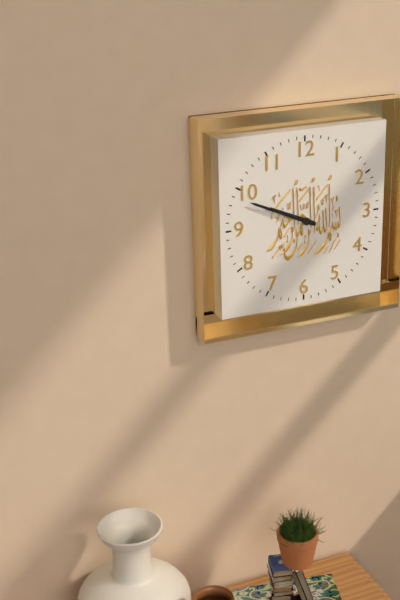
9:49
